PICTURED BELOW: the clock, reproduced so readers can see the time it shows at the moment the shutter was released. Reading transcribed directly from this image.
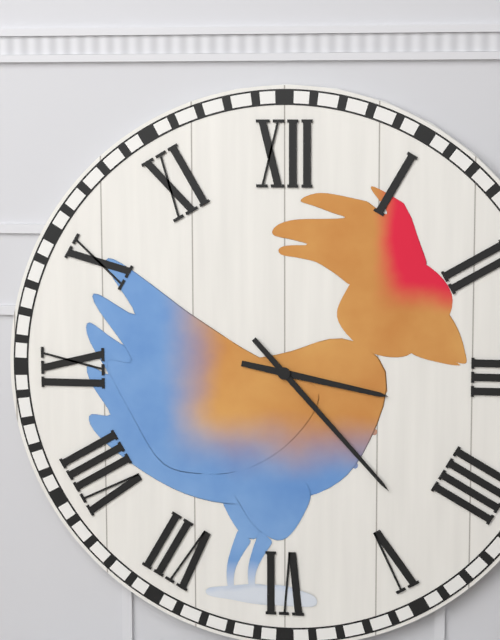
3:23
